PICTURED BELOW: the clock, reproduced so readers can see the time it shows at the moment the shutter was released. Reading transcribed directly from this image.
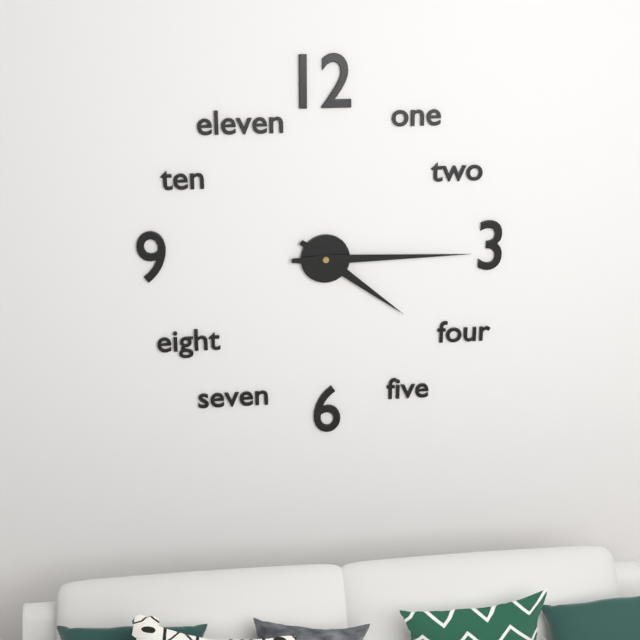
4:15
